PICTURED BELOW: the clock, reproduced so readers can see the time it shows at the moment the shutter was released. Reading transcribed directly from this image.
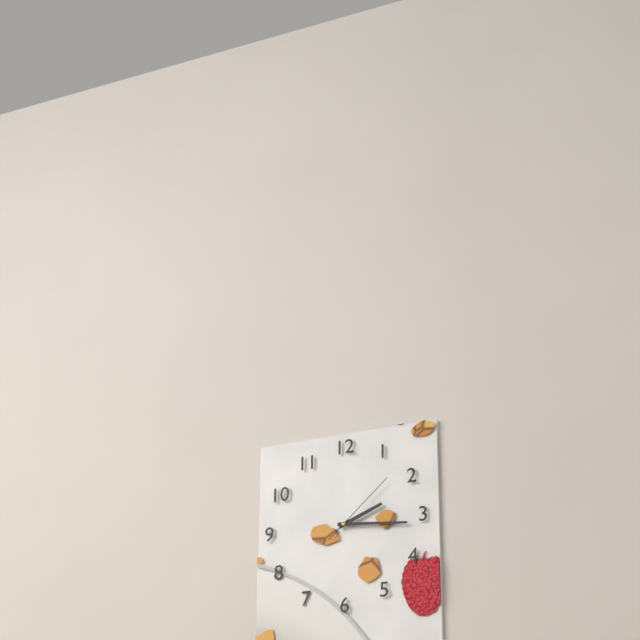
2:16:08
